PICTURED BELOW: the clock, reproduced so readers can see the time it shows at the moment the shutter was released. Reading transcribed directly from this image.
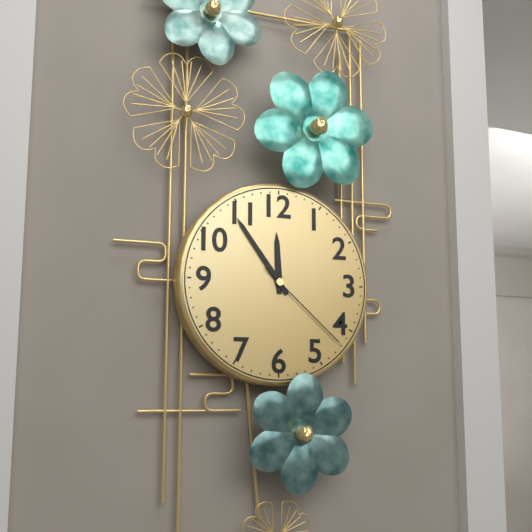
11:54:22
